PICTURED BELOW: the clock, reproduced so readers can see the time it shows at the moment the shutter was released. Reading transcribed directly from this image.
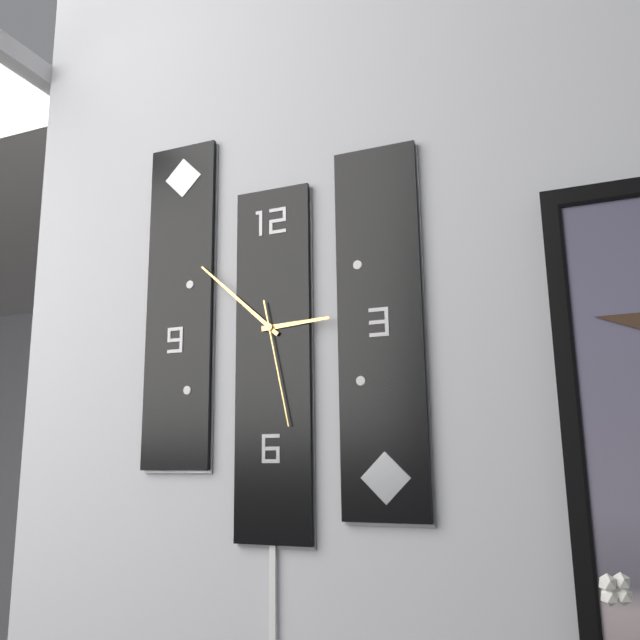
2:52:28
